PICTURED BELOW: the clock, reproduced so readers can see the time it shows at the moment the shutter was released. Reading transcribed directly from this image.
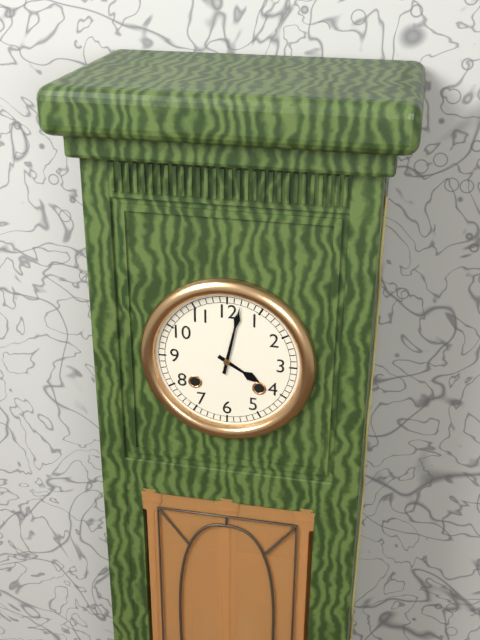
4:02
